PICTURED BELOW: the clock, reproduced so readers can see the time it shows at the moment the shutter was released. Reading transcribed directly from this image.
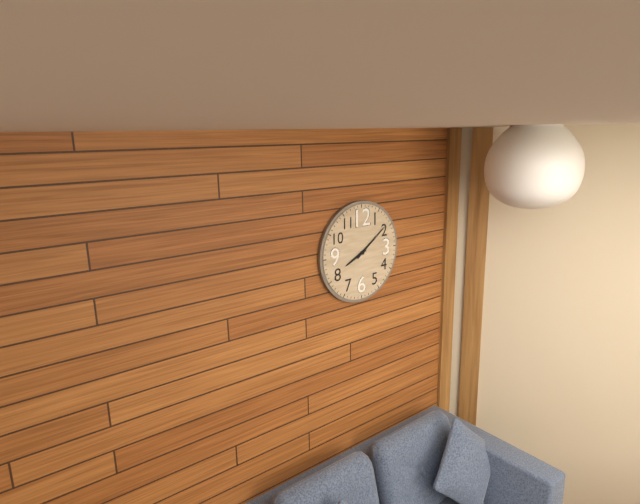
8:09
